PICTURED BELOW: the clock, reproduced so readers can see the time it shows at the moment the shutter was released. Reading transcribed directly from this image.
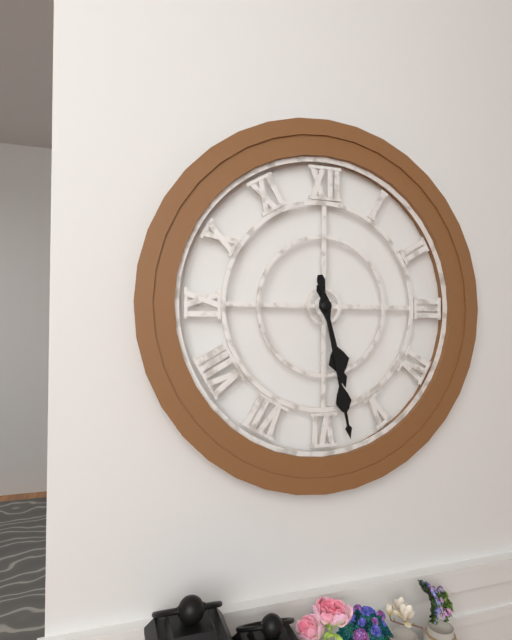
5:28
